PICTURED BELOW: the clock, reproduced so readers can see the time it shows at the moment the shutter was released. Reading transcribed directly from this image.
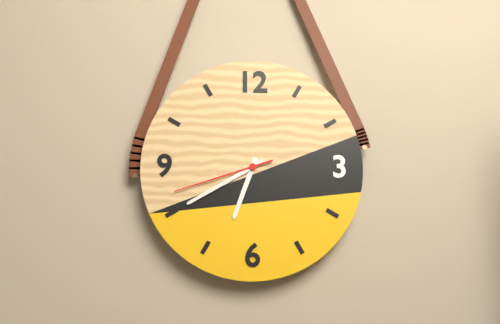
6:40:42
